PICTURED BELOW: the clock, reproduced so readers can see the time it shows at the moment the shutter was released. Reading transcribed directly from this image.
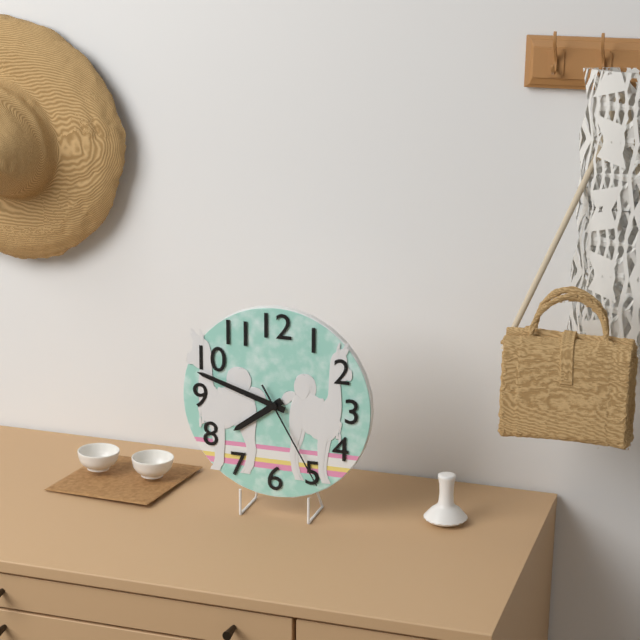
7:48:25
